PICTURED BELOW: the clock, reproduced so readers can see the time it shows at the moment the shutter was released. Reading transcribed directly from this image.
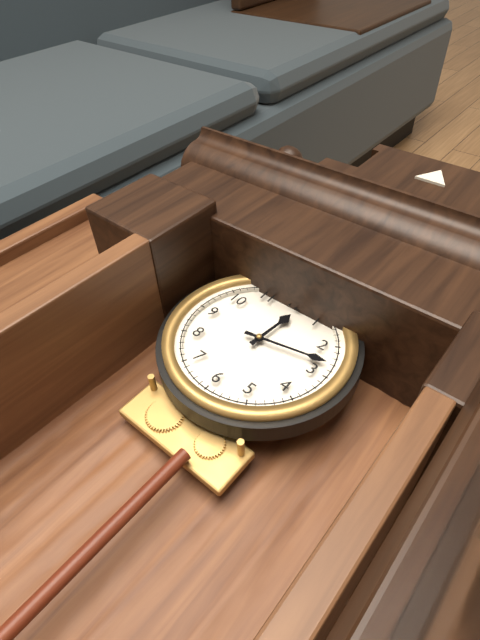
12:13
